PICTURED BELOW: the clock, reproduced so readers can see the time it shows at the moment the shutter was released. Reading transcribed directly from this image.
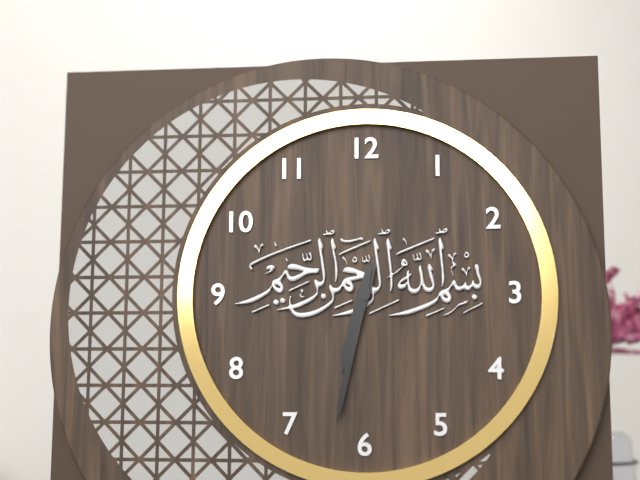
6:32
